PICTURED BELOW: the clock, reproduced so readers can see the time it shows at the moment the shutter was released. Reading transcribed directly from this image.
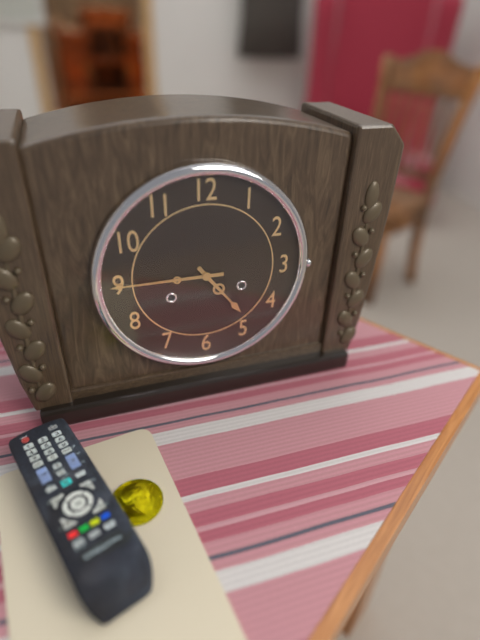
4:45
